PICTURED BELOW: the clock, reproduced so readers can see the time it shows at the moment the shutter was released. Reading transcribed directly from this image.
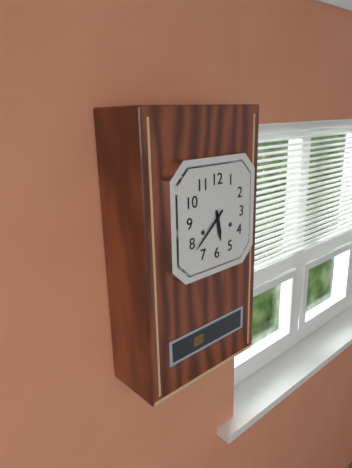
5:38
